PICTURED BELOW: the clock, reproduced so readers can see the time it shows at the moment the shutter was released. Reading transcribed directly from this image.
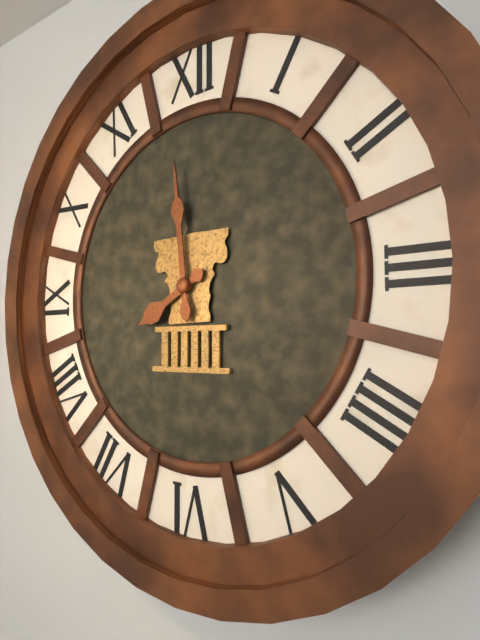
7:59
